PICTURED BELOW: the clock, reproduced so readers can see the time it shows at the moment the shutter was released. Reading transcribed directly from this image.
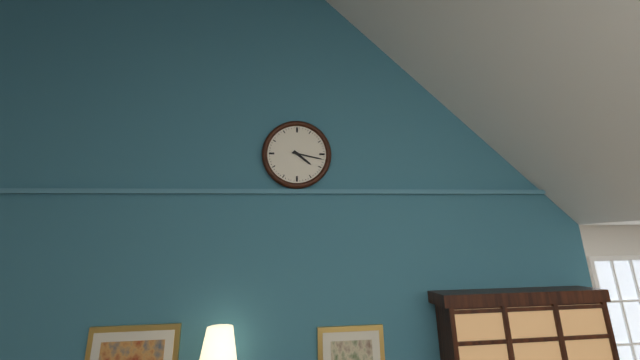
4:17
